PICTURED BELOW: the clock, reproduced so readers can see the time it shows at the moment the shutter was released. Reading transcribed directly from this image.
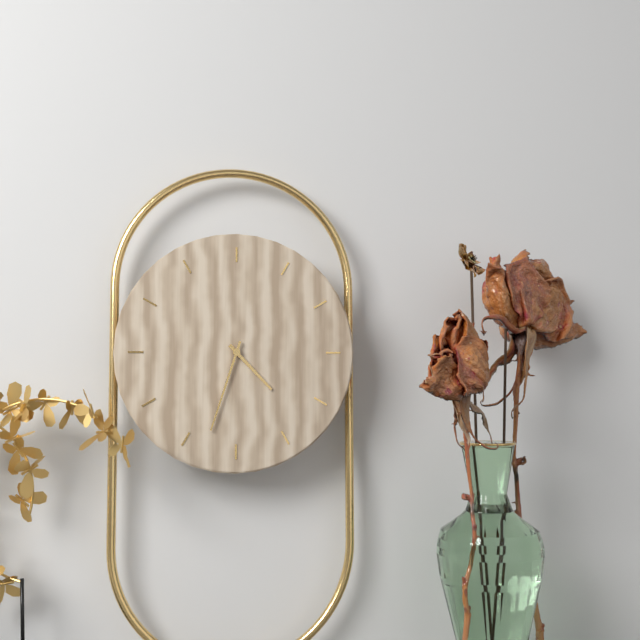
4:33
